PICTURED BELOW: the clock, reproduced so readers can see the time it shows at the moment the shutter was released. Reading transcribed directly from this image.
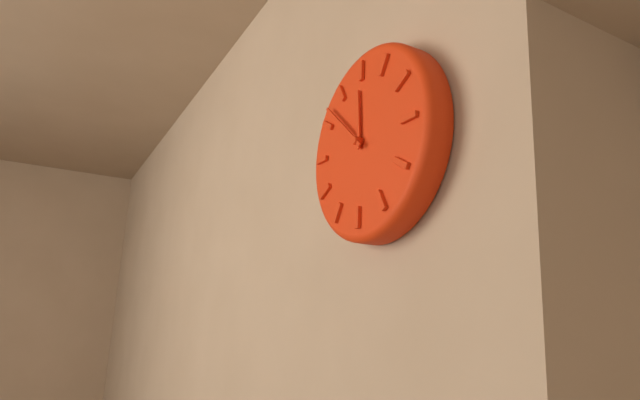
11:52
